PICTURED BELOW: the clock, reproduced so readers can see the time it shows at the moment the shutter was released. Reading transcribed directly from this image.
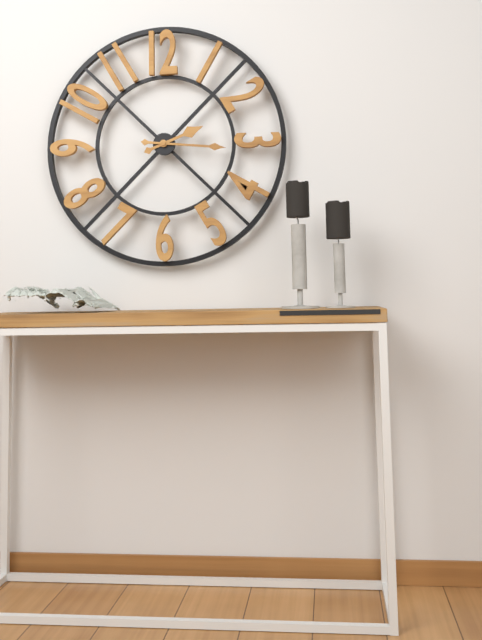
2:16
